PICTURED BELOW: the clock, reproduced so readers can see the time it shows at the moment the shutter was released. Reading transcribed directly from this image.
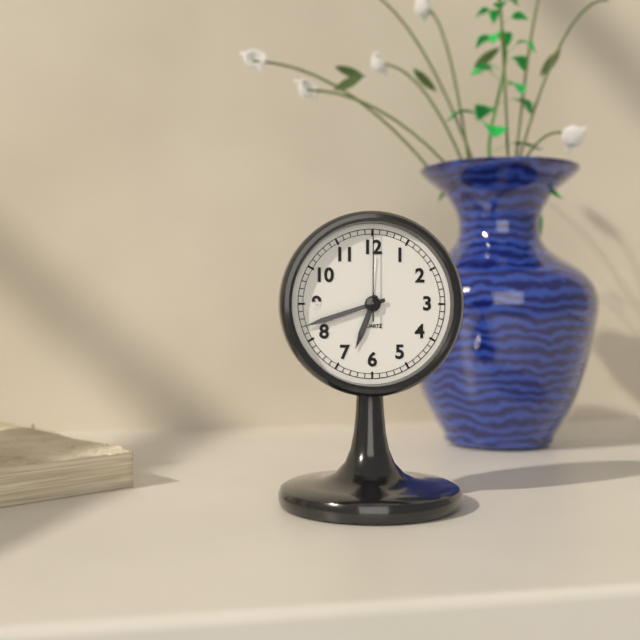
6:42:00
